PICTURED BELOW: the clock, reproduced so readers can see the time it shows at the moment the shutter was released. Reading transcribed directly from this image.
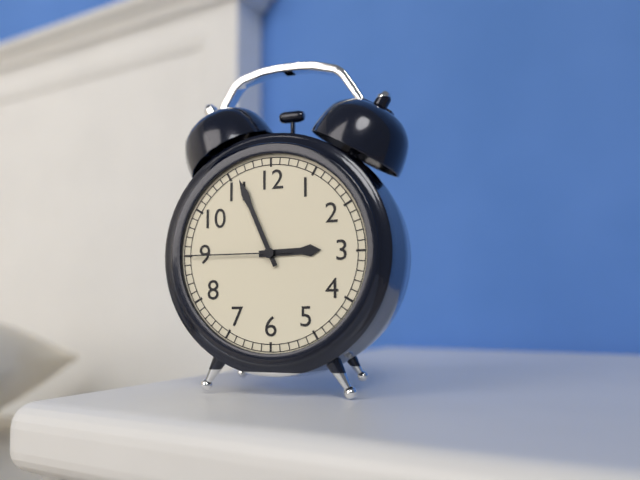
2:56:45
